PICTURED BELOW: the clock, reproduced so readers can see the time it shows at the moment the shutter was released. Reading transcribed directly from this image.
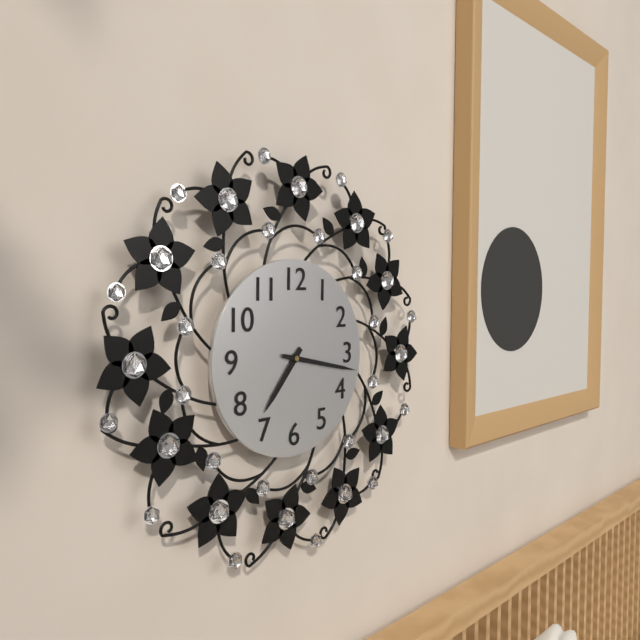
7:17
